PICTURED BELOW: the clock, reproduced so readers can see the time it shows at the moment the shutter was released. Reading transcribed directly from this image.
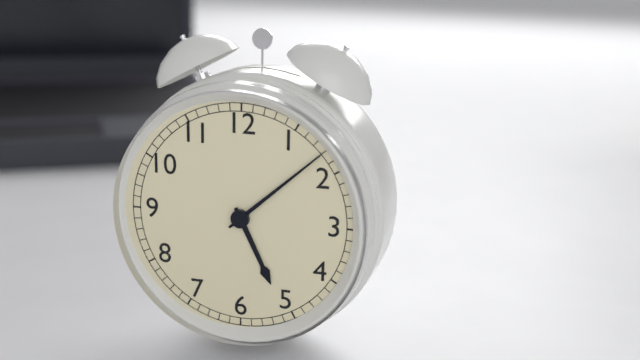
5:08
